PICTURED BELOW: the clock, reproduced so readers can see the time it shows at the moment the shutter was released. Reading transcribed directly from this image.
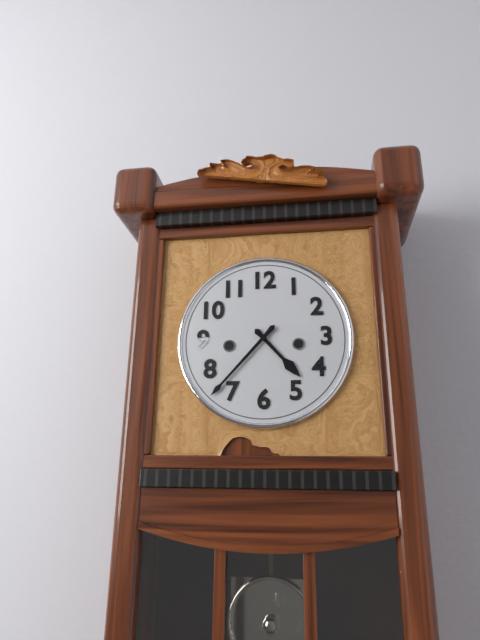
4:37
